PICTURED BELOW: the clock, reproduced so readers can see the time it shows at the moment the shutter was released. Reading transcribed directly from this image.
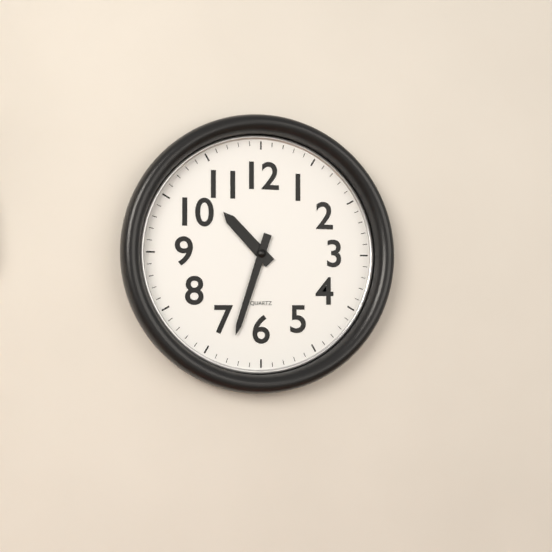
10:33
